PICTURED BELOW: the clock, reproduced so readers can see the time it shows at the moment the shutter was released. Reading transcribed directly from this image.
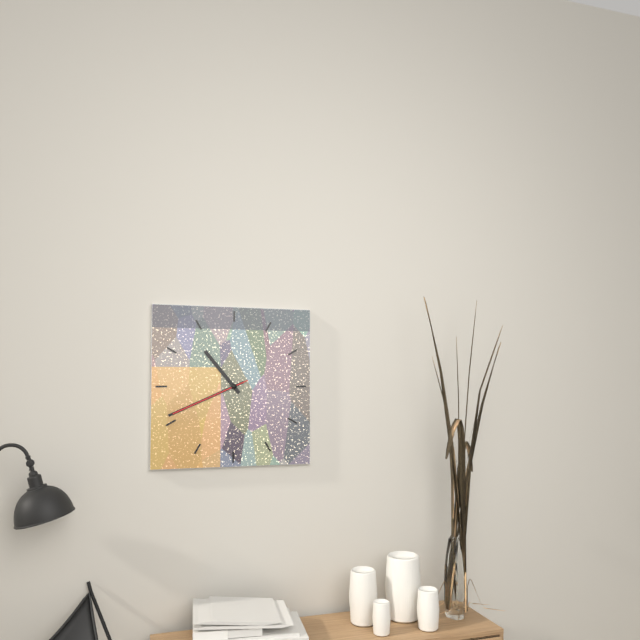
10:41:41
